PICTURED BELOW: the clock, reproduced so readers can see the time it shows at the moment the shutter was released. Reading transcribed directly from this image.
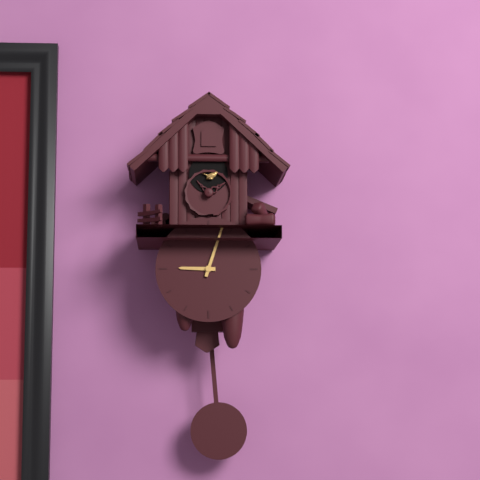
9:03
